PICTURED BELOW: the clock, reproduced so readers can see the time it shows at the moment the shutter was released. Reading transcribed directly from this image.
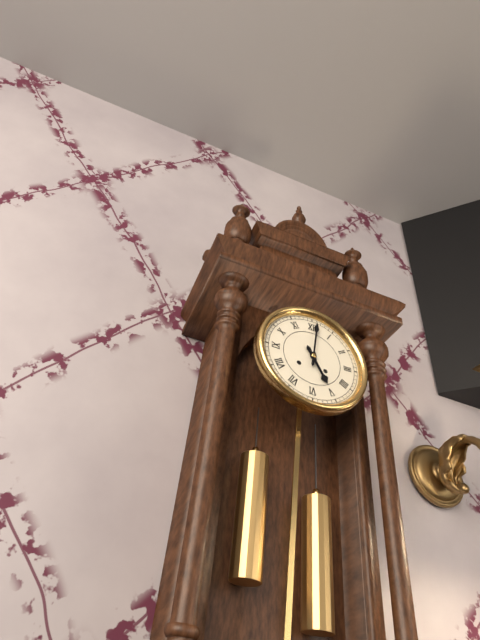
5:01
